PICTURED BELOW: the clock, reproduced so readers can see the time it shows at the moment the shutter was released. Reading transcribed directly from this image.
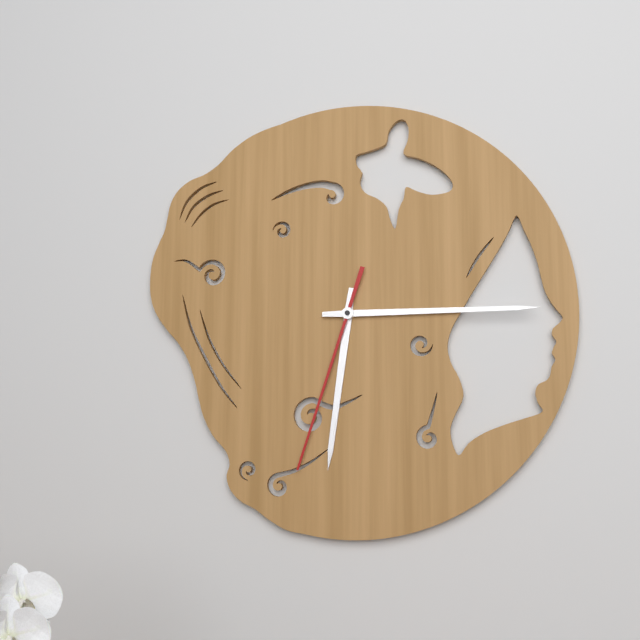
6:15:33
